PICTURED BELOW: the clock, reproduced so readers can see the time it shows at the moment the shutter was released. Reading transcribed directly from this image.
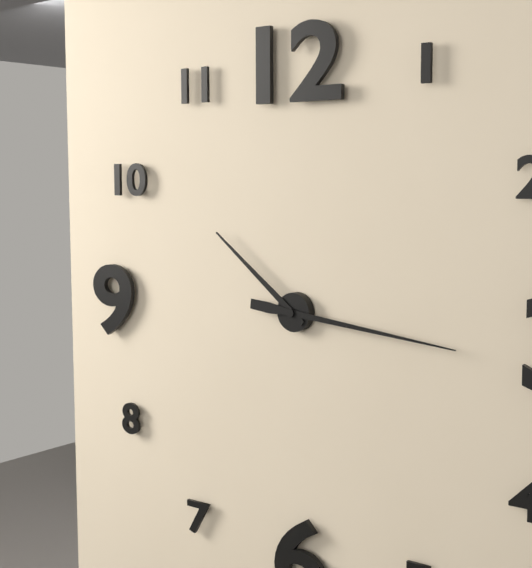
10:16
